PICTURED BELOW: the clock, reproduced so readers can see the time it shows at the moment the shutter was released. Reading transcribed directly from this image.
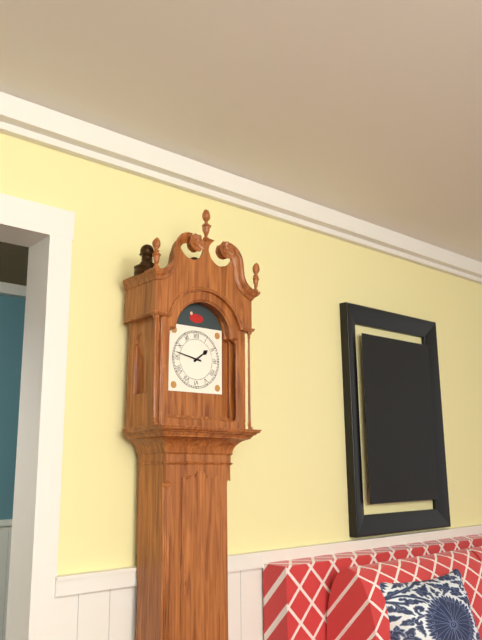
1:47
